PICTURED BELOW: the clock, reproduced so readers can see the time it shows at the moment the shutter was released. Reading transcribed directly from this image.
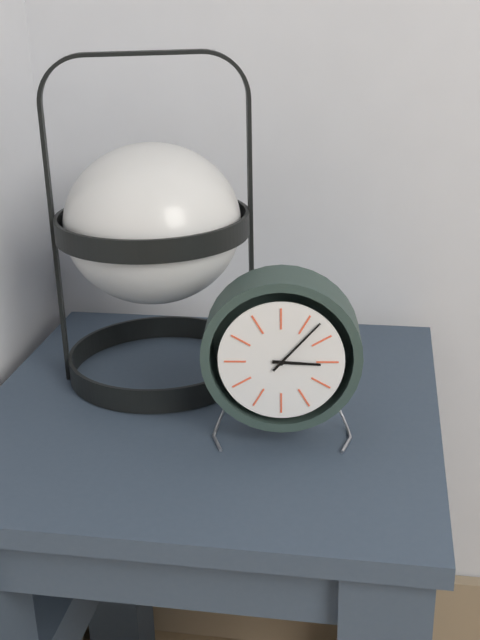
3:07
